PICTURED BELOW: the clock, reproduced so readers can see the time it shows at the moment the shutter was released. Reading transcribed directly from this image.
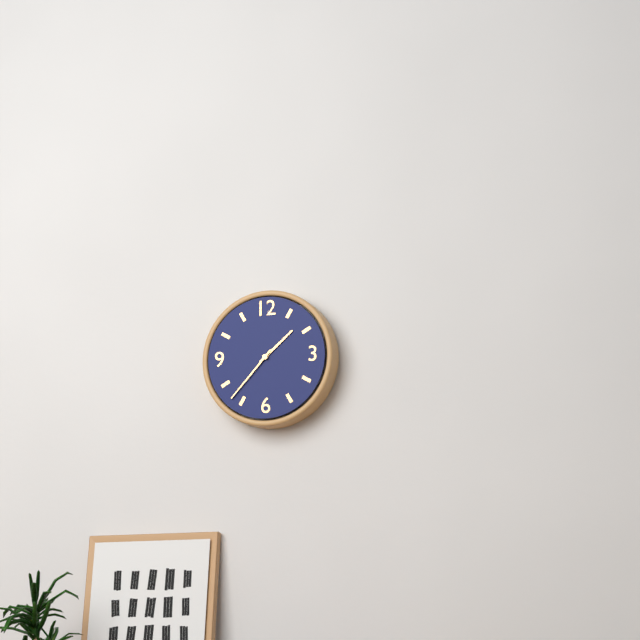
1:37
